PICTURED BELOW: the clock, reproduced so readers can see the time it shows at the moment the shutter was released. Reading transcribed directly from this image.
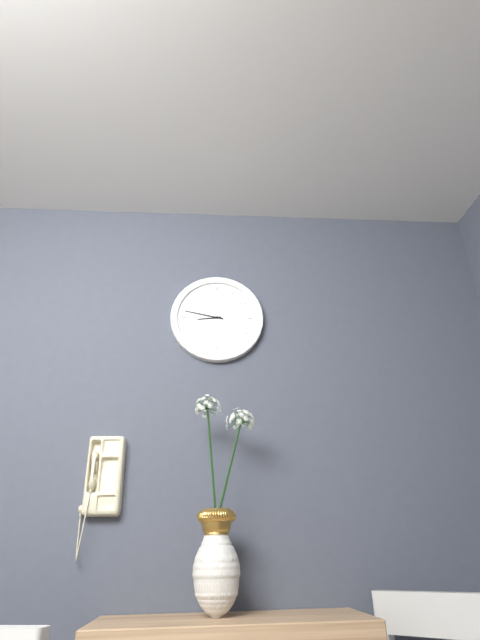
8:47
